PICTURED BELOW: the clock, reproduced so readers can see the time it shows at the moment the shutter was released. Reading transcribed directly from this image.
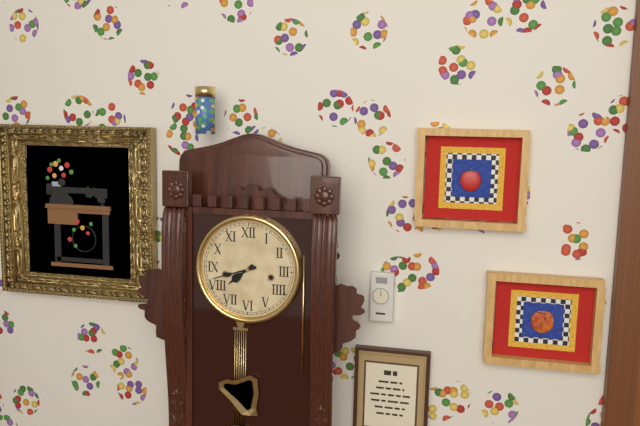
7:42
